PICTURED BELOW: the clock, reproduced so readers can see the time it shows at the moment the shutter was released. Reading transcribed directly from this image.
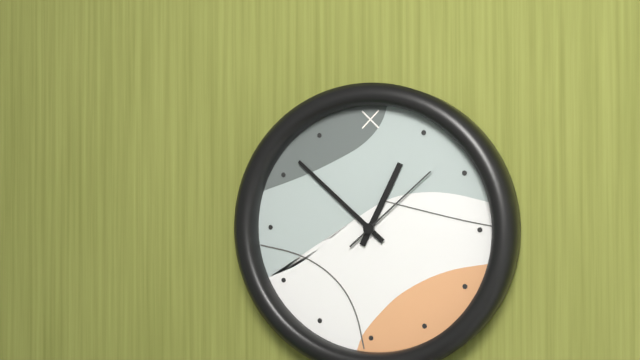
12:52:08
